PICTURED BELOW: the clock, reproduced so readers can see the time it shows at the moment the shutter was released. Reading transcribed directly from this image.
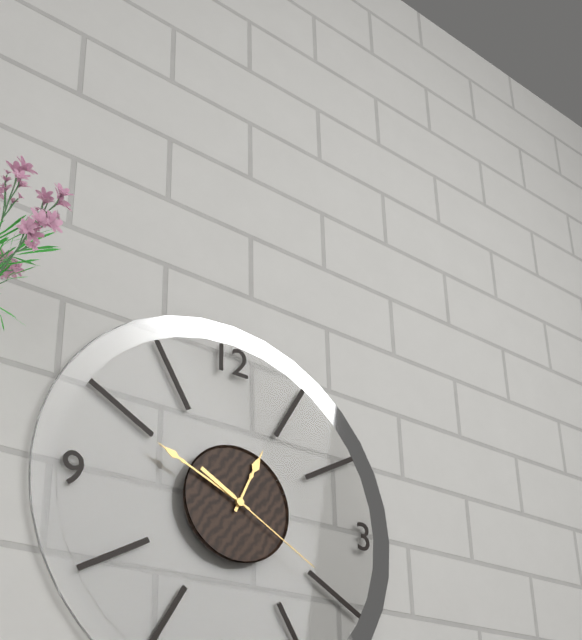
12:49:20
